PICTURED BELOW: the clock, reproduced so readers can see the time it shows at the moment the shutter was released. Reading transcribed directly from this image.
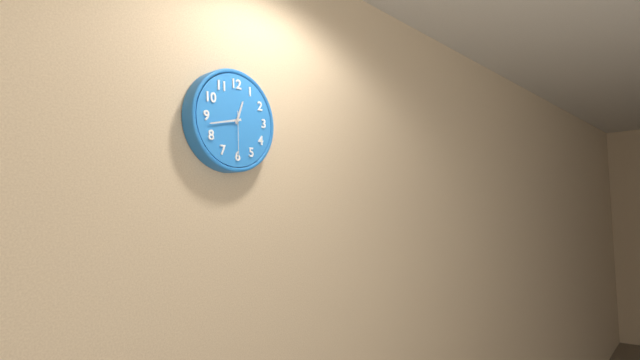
12:43
